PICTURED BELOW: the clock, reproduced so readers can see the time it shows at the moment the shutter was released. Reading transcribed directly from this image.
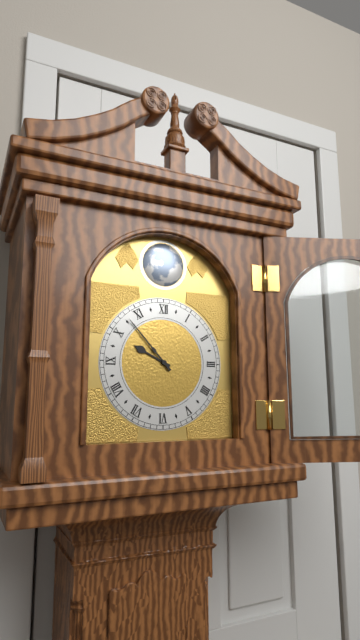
9:53
